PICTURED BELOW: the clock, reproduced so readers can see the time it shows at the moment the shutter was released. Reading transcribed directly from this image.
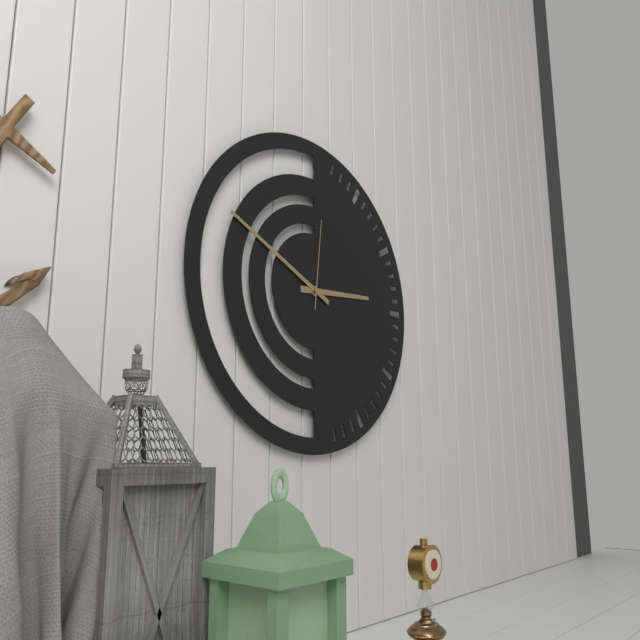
2:49:01
